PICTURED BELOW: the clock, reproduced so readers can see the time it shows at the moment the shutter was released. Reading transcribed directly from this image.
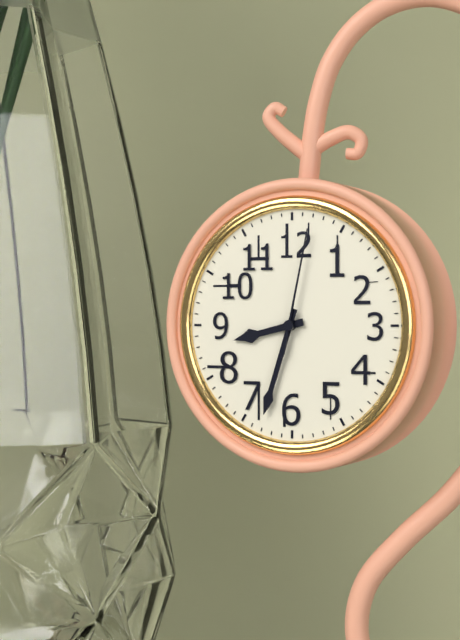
8:33:02
